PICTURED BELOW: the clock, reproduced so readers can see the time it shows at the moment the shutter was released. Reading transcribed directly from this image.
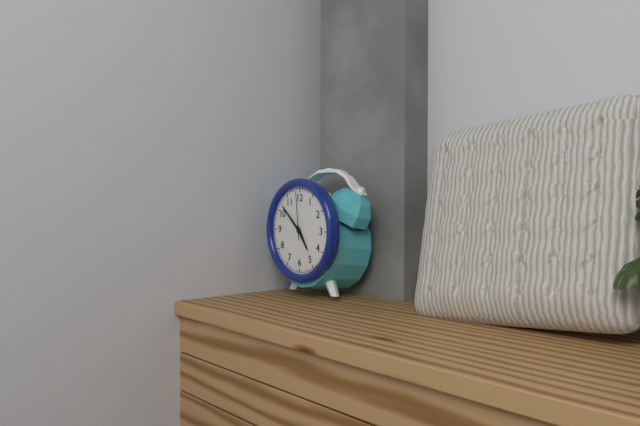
4:52
